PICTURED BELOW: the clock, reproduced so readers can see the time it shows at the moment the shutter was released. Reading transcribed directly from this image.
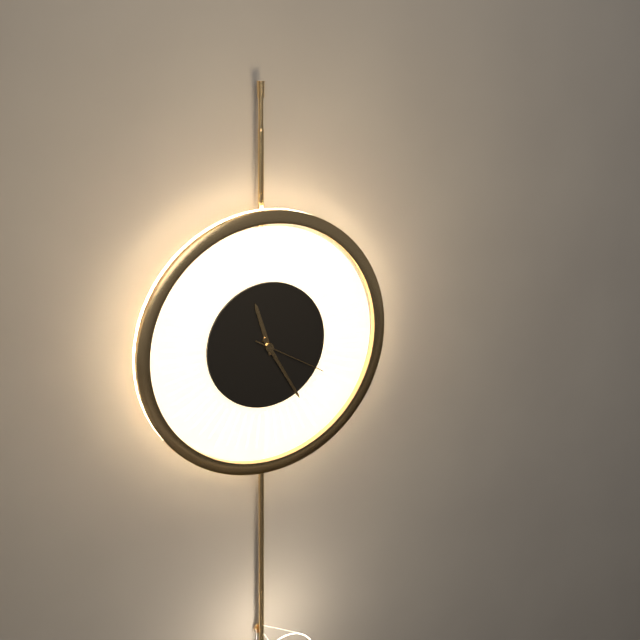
11:25:20
